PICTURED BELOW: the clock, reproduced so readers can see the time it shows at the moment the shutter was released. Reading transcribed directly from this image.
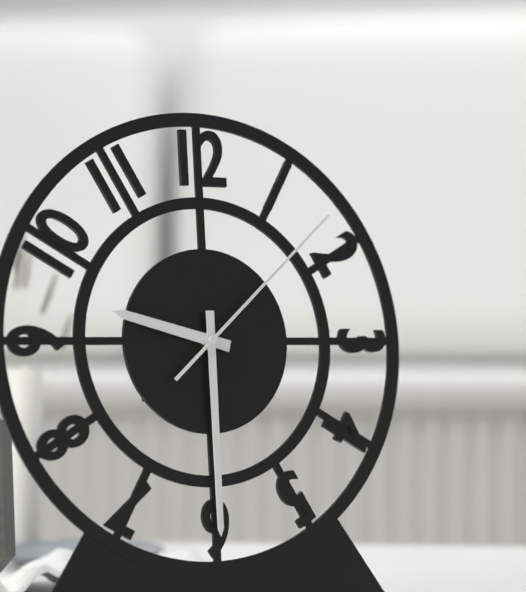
9:30:08
